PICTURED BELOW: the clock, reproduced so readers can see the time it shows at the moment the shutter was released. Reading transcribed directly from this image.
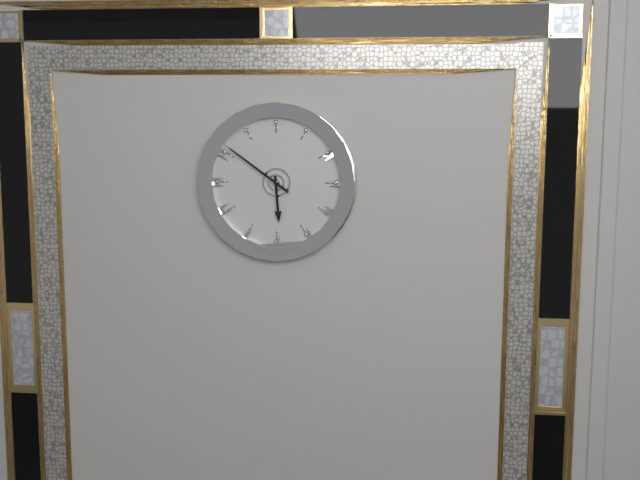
5:51
